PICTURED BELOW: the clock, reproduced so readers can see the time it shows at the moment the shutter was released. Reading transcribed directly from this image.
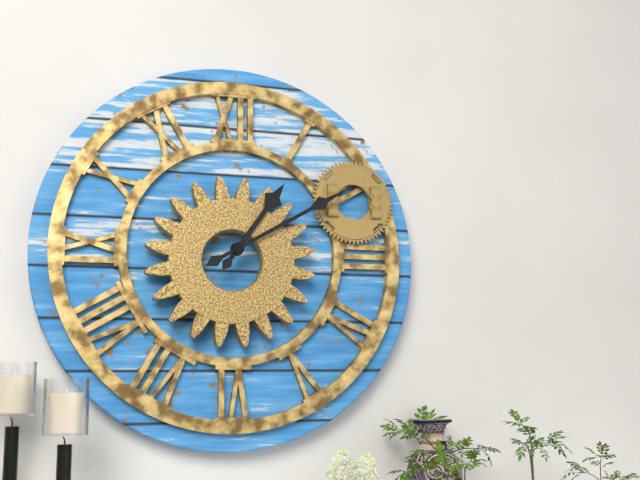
1:10
